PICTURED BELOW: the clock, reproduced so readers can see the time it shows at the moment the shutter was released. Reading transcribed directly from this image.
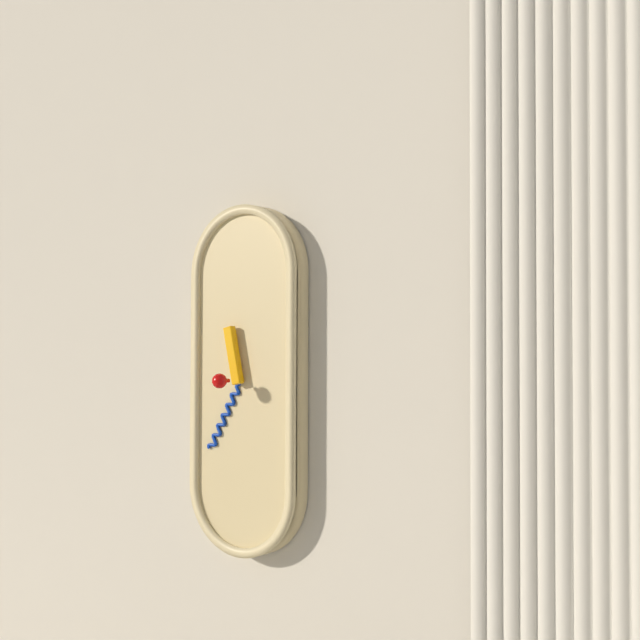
11:35
